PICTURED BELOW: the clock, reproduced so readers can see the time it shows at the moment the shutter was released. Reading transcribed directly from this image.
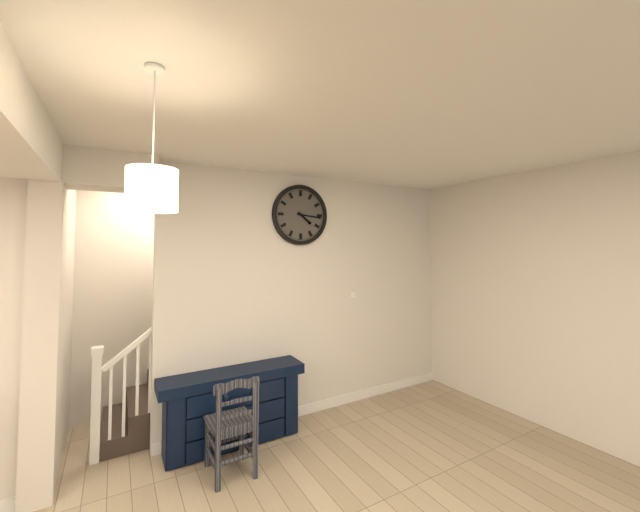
4:16
